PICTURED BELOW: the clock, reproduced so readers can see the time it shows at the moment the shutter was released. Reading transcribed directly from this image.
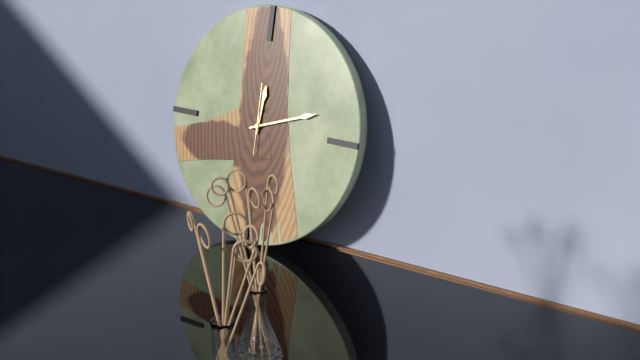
12:12:00
